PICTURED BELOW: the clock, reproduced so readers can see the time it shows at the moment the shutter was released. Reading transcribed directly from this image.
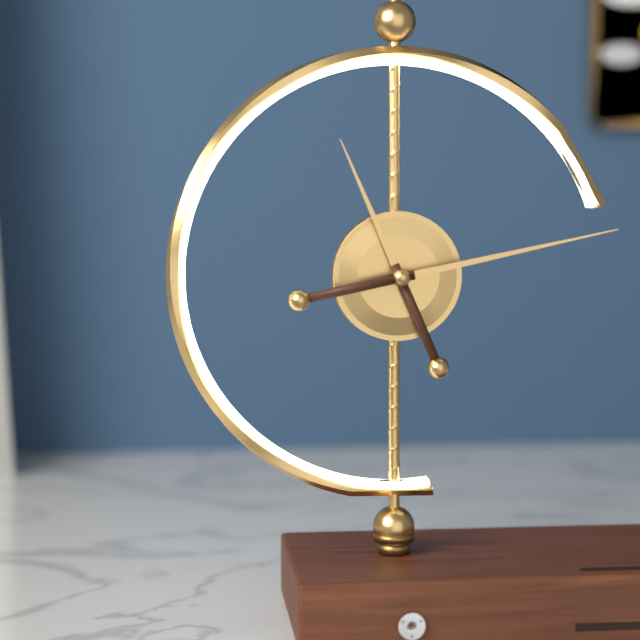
11:13
